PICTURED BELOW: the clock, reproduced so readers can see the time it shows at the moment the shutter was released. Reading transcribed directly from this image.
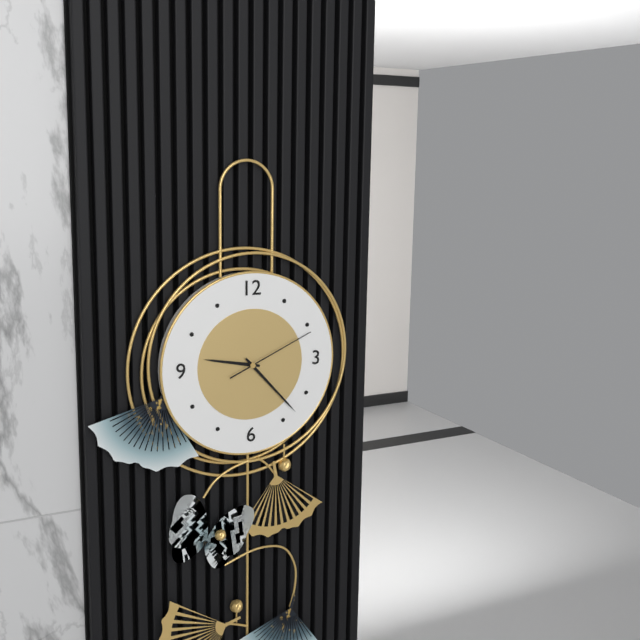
9:23:11
